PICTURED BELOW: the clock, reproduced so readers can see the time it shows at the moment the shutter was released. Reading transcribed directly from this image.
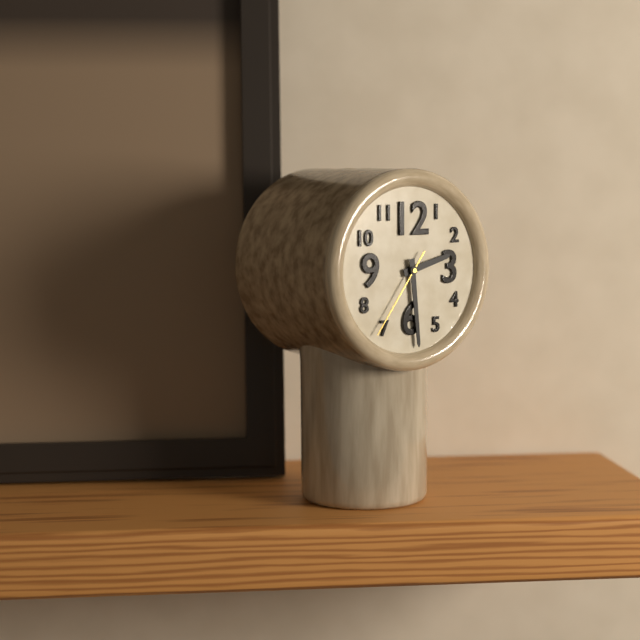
2:29:36
